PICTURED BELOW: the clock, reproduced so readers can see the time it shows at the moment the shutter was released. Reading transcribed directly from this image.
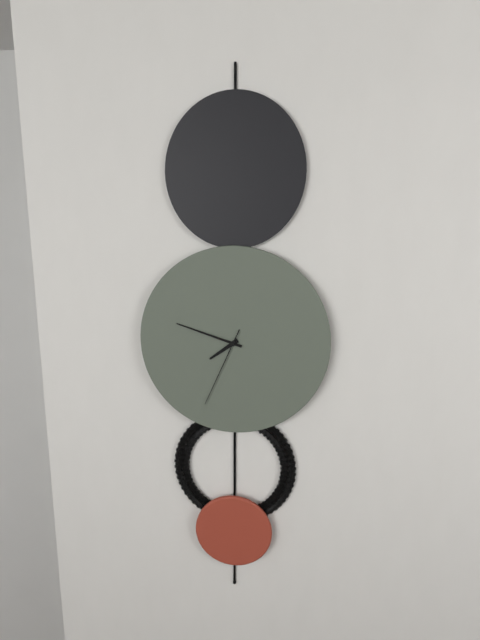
7:48:34
